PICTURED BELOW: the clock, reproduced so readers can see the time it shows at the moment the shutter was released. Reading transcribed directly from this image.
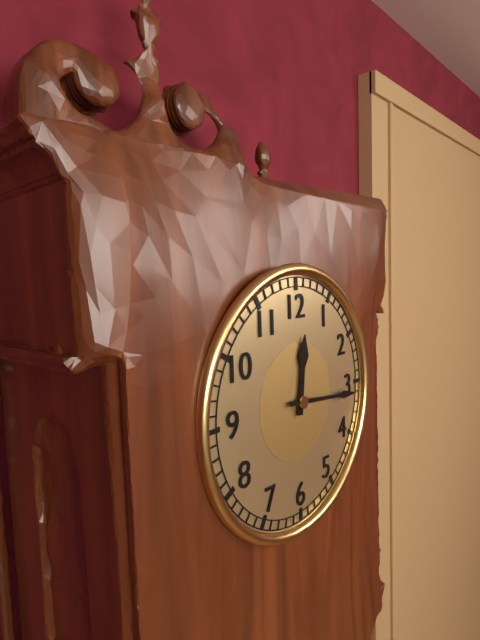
12:16
